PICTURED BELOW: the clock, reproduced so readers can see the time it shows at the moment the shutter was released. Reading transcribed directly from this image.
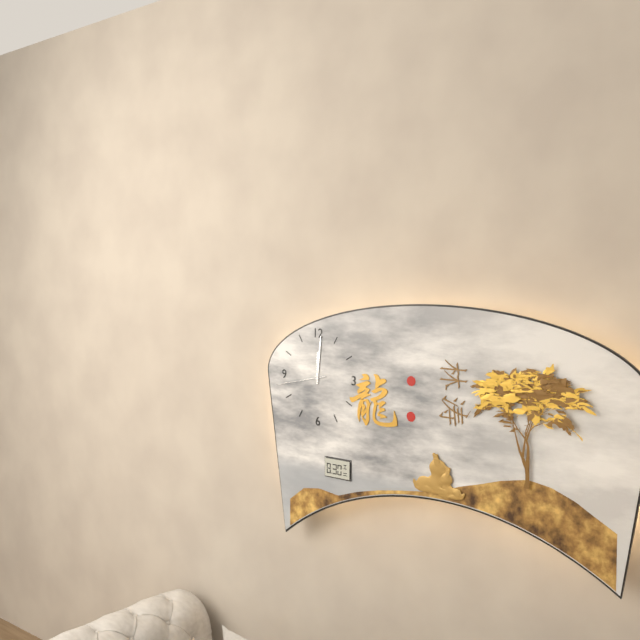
12:01:43
